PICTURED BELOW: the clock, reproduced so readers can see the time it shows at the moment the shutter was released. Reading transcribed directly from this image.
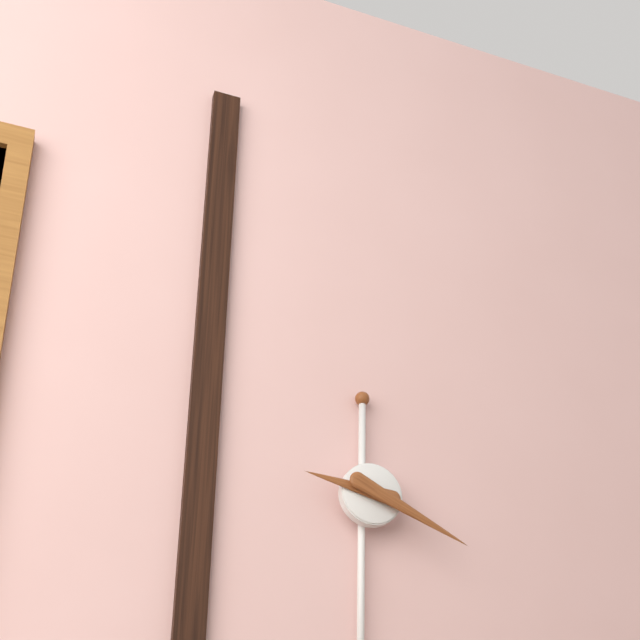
9:19
